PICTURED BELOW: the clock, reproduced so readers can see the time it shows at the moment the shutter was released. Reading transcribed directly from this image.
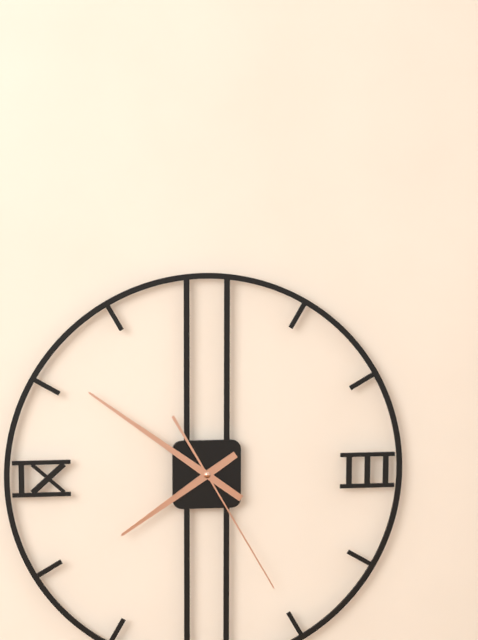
7:51:25
